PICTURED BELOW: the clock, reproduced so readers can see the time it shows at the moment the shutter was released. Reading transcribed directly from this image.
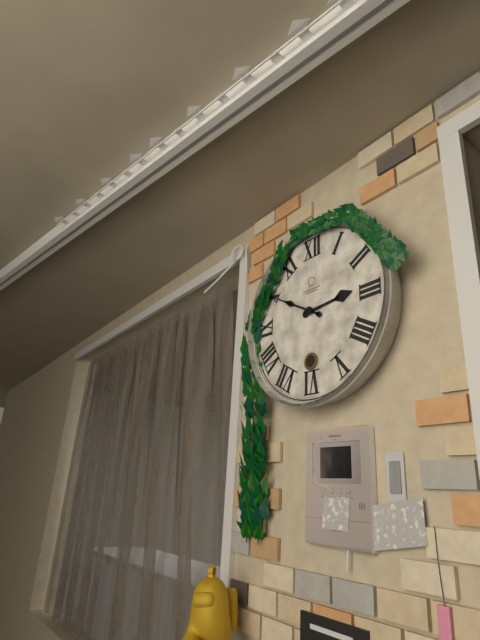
2:50
